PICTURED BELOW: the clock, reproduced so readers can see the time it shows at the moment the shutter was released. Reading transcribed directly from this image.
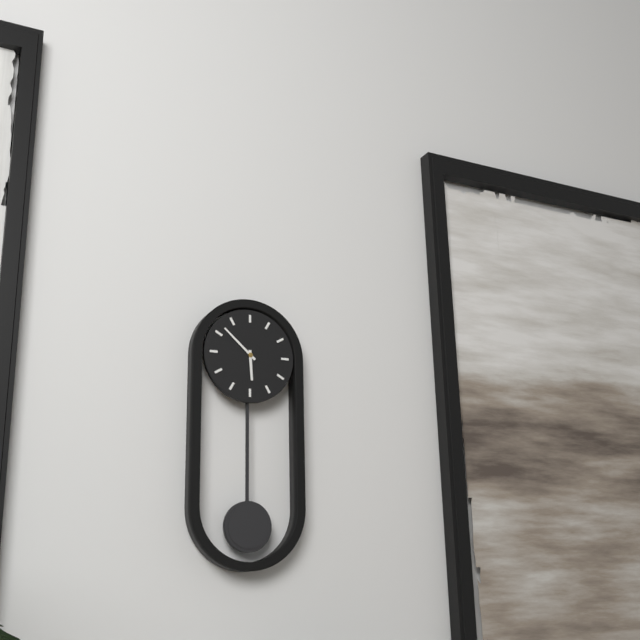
5:52
